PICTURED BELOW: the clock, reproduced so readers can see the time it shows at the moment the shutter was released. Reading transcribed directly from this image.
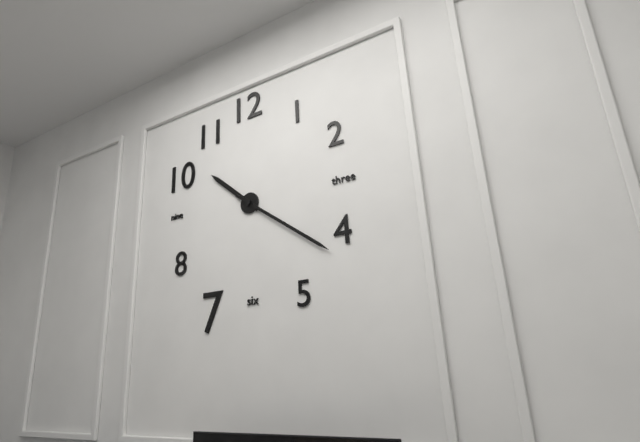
10:21
